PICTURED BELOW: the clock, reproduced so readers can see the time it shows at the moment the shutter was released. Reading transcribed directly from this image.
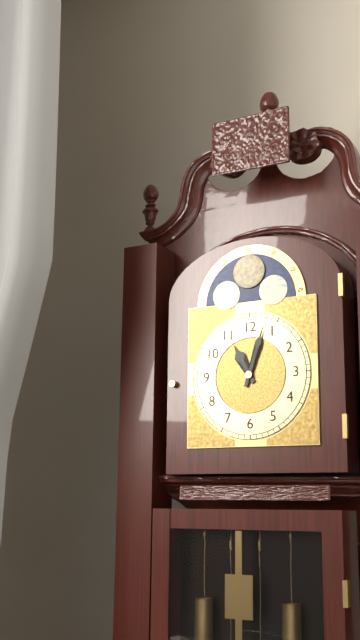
11:03
